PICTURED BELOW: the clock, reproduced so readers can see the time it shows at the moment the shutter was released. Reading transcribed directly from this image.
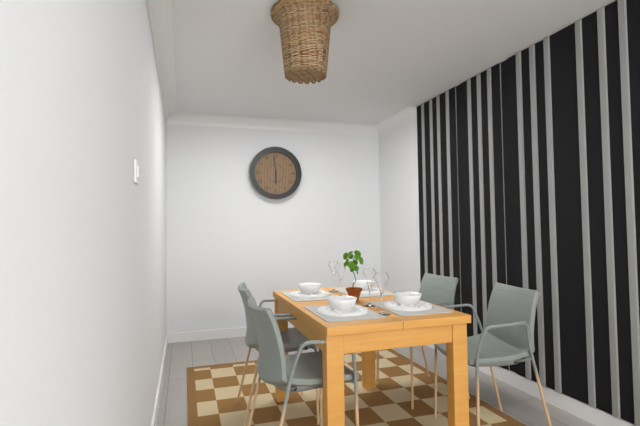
5:59
